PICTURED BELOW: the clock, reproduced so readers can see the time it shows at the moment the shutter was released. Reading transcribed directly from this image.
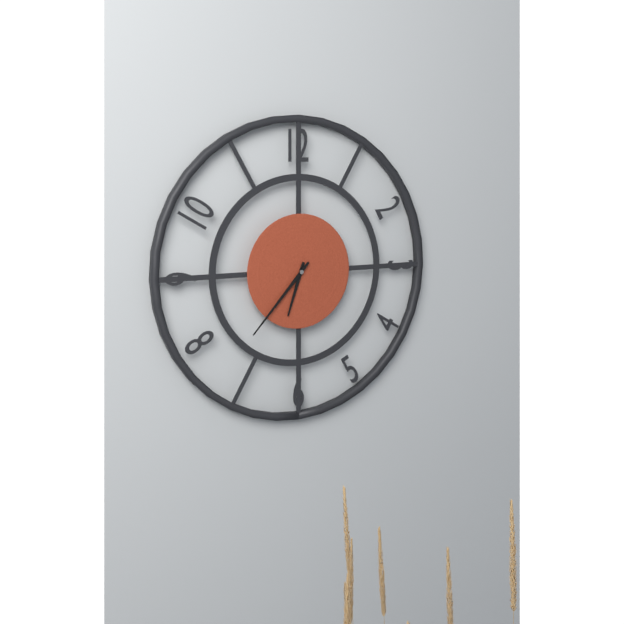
6:37
